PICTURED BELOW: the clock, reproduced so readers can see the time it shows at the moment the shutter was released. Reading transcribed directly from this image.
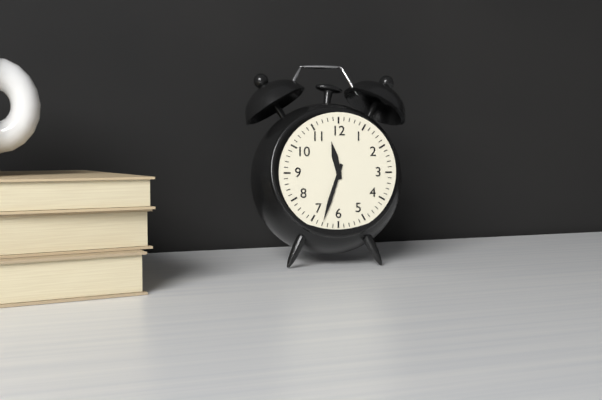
11:33
